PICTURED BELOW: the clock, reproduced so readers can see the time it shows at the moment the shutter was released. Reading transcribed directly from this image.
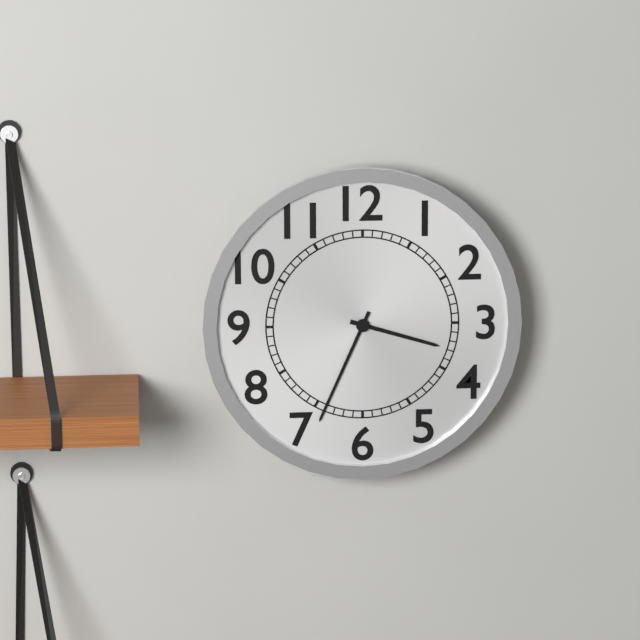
3:34
